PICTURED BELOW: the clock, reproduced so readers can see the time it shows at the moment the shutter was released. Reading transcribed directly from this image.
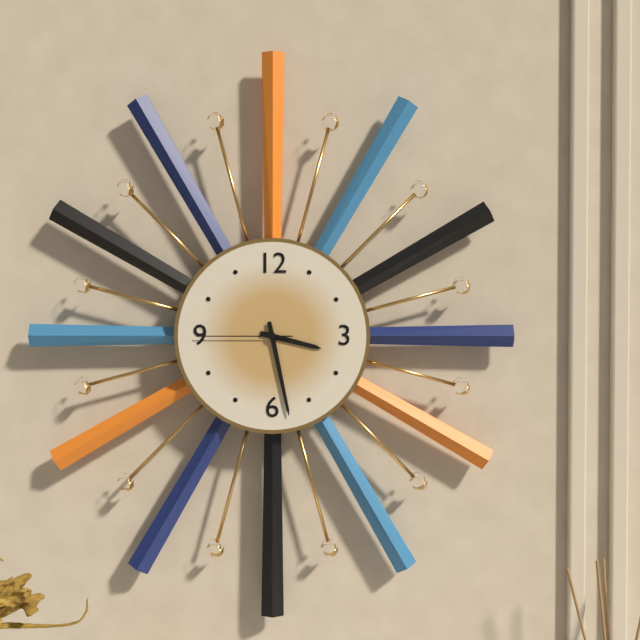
3:28:45
